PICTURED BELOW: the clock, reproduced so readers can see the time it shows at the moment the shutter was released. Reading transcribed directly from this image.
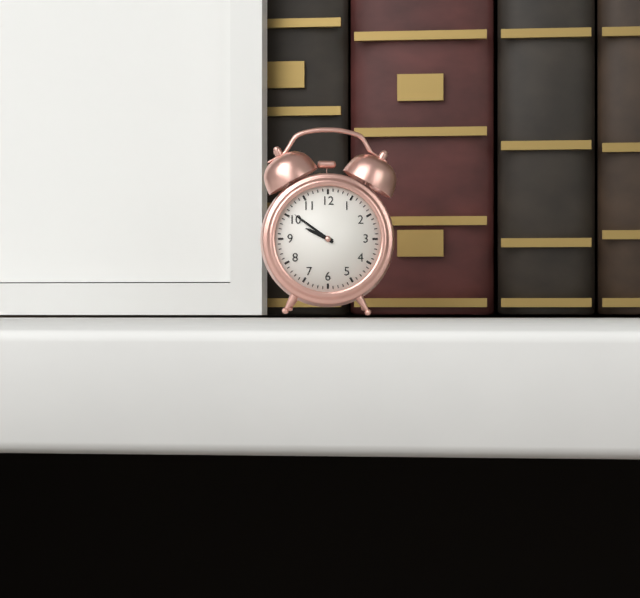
9:51
